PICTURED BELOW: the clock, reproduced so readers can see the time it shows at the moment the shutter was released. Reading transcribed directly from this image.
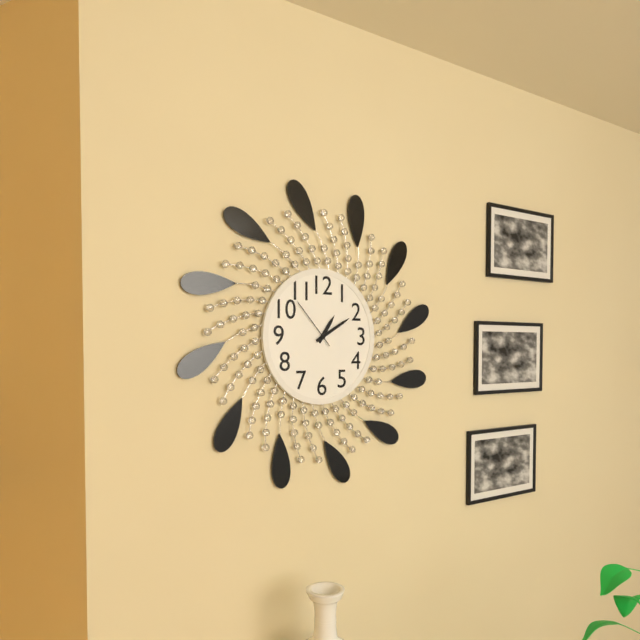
1:10:53
